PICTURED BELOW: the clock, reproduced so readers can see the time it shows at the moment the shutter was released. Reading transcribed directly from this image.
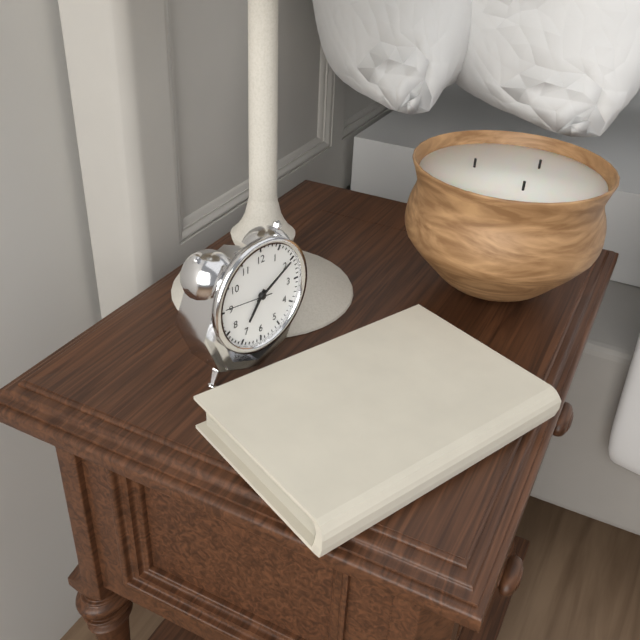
7:10
